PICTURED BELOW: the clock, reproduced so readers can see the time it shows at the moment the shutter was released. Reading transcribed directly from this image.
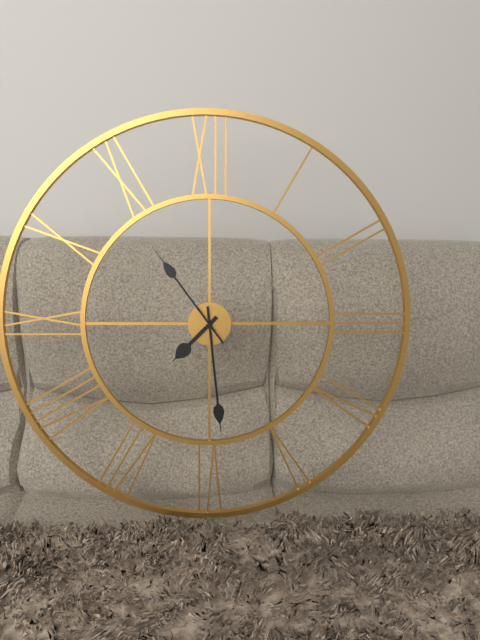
7:29:54
